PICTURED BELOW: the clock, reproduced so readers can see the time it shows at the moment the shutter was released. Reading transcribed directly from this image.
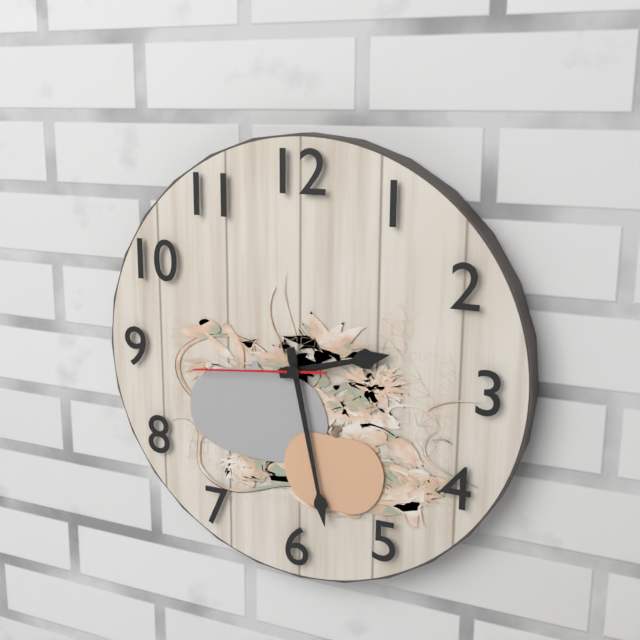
2:28:44
